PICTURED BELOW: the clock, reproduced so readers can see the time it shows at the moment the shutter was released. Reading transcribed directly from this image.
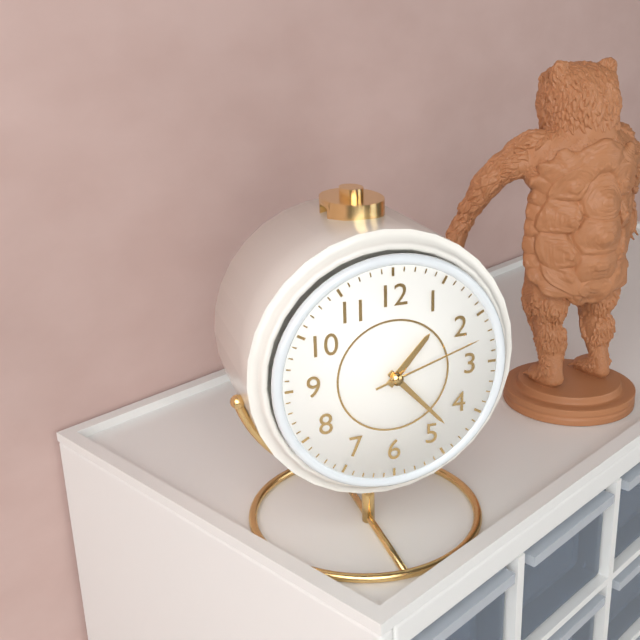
1:23:12
